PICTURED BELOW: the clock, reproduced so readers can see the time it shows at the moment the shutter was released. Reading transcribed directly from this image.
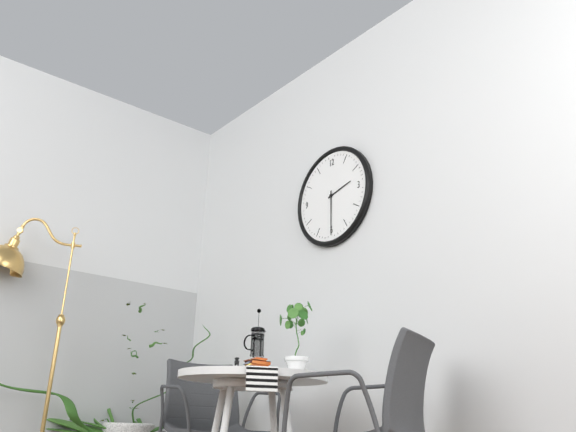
2:30
